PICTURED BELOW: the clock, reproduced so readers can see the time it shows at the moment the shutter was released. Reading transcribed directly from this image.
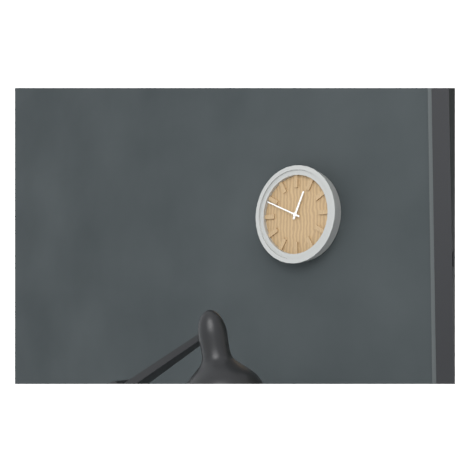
12:49
